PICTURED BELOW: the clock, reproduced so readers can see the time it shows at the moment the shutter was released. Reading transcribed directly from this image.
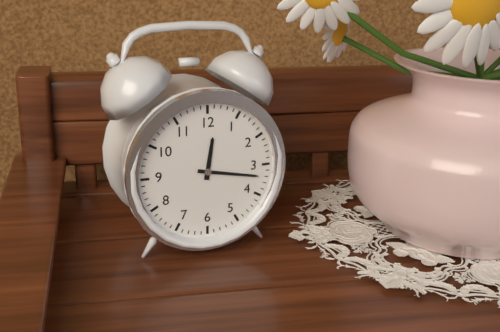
12:17
